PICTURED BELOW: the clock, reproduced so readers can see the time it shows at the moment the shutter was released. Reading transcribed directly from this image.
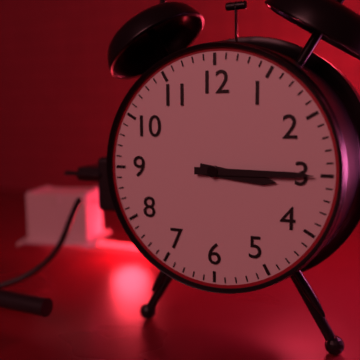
3:15
